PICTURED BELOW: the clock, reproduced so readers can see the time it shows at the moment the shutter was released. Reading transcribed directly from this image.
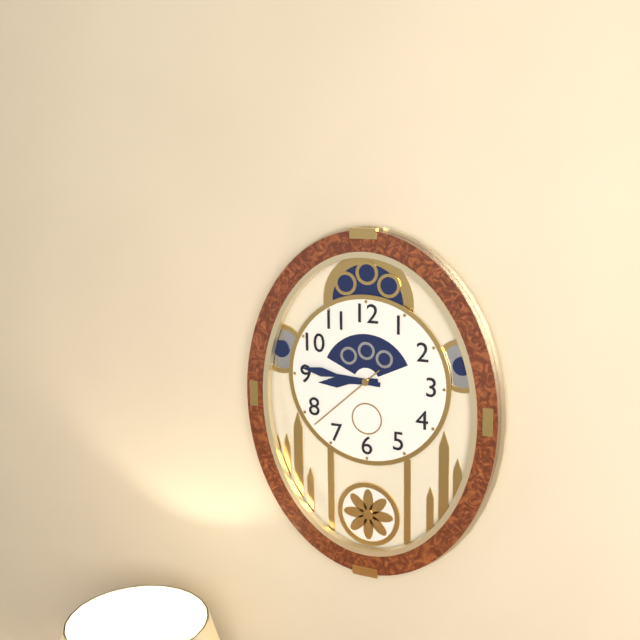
8:46:38
